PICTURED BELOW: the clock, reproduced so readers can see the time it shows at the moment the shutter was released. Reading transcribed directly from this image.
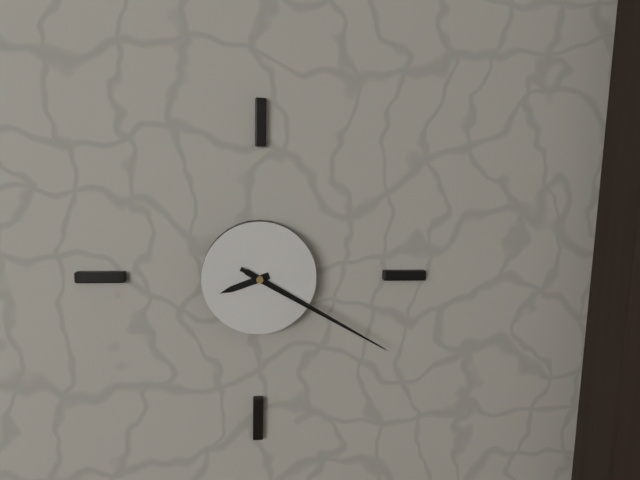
8:20:20
